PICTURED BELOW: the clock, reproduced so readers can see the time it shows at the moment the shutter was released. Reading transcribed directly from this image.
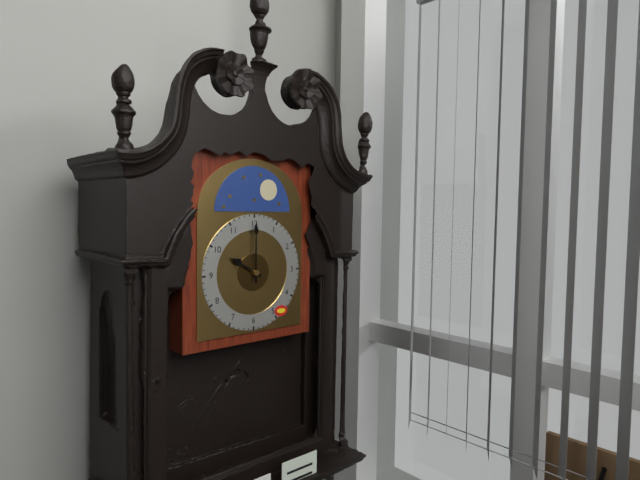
10:00
